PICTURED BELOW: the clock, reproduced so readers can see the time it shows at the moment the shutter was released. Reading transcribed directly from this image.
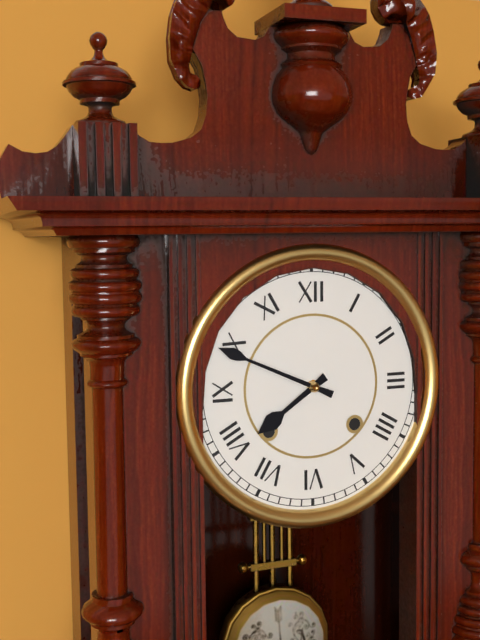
7:49
